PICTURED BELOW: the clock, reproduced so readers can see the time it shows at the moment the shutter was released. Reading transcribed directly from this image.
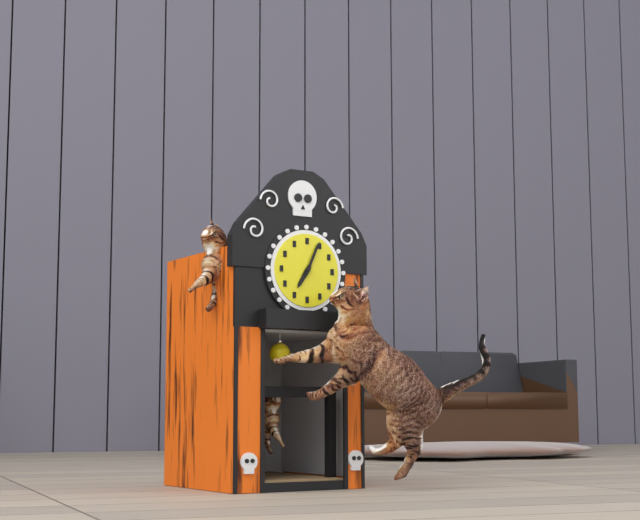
7:04
